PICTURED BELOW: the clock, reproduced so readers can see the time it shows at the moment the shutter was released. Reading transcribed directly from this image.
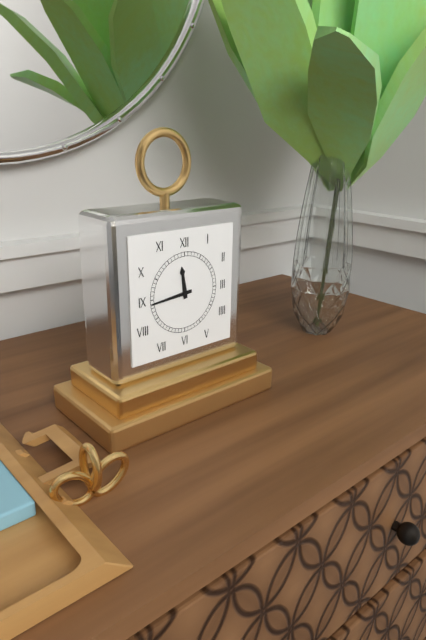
11:44
